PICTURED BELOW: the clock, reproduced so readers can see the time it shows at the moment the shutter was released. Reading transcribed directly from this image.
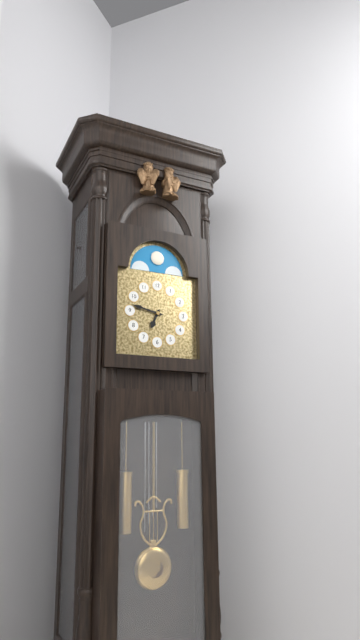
6:47
